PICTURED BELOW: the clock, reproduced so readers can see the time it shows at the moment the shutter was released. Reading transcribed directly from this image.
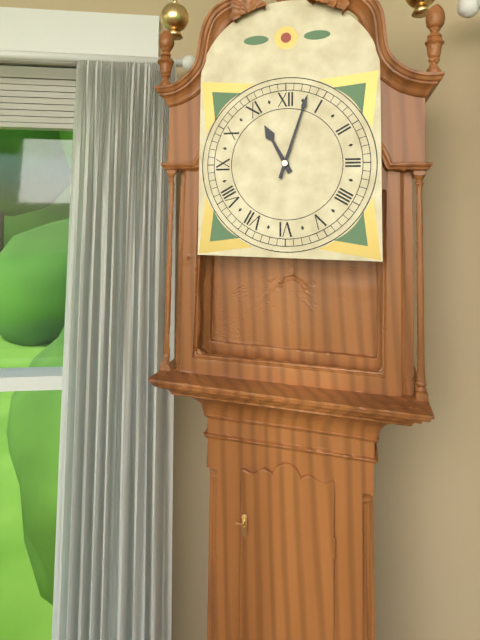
11:03
